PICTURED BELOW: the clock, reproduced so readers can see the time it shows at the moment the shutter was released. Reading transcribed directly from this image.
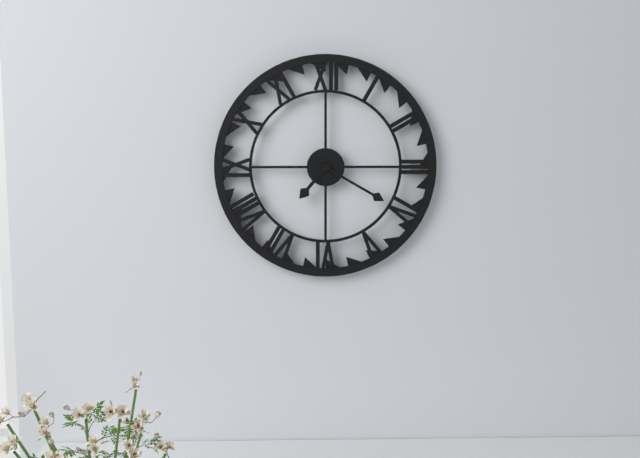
7:20
